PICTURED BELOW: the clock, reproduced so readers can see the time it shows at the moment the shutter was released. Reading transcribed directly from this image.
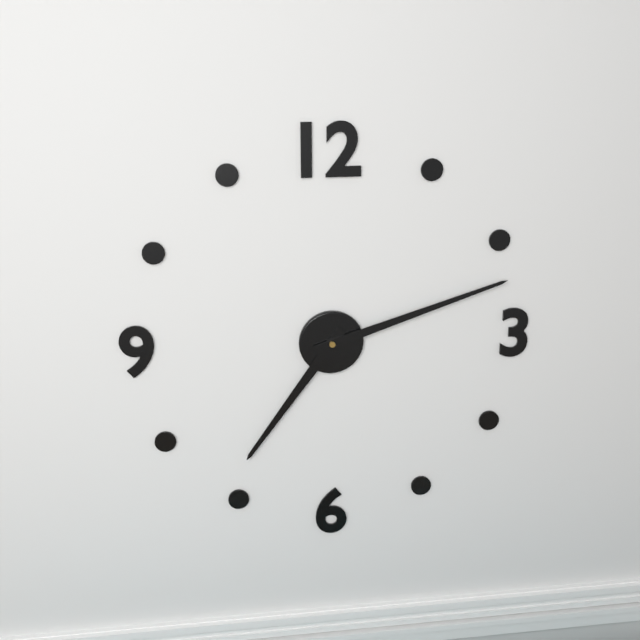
7:12
